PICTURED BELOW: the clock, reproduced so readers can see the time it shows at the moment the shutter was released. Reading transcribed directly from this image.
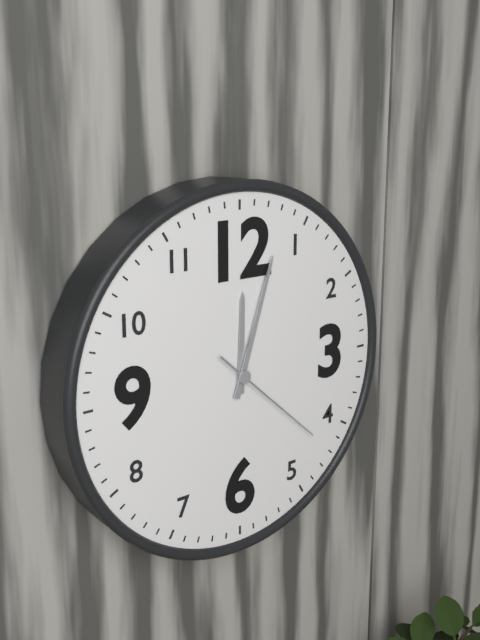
12:03:22
